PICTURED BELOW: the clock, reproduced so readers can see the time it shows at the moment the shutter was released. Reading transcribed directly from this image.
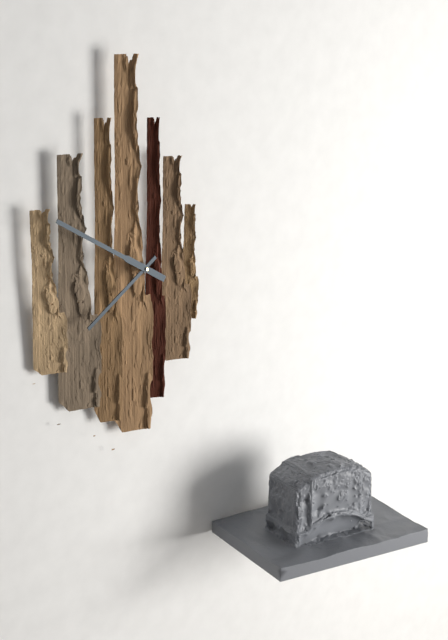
7:50
